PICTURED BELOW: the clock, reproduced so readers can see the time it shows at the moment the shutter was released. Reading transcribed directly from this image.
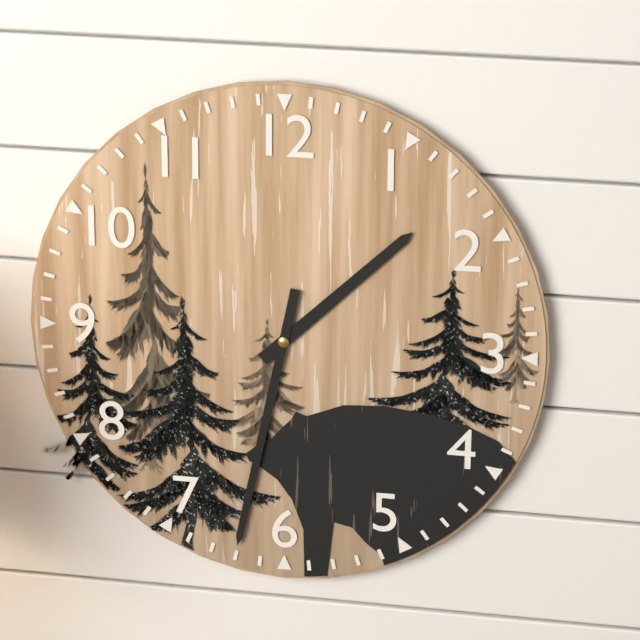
1:32
